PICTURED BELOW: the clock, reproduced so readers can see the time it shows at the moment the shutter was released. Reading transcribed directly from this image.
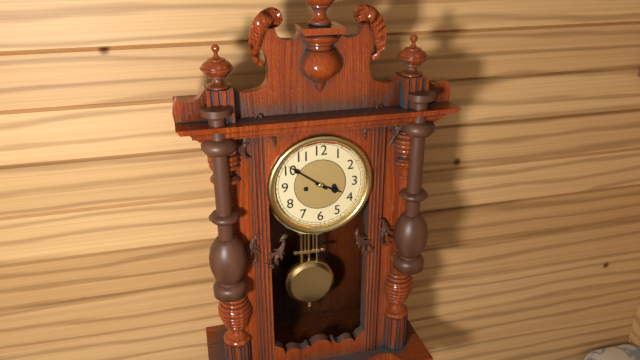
3:51
